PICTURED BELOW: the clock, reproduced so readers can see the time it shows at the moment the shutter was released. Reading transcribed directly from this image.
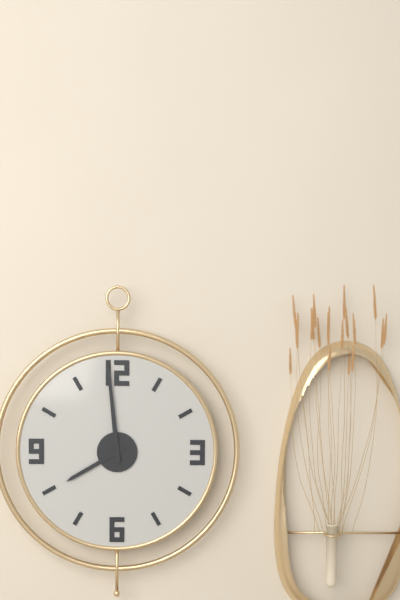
7:59
